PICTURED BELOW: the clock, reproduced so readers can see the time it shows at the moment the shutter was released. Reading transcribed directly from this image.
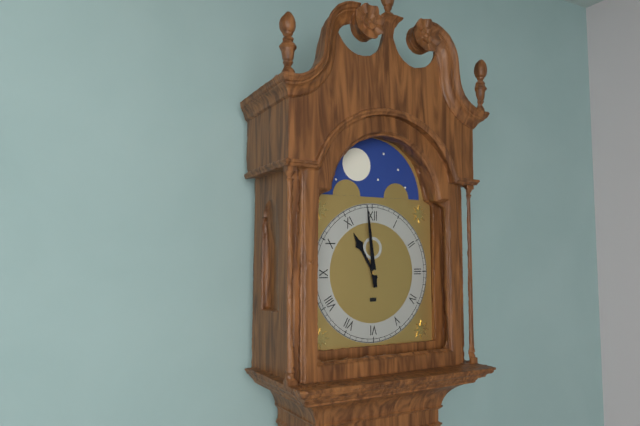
10:59
